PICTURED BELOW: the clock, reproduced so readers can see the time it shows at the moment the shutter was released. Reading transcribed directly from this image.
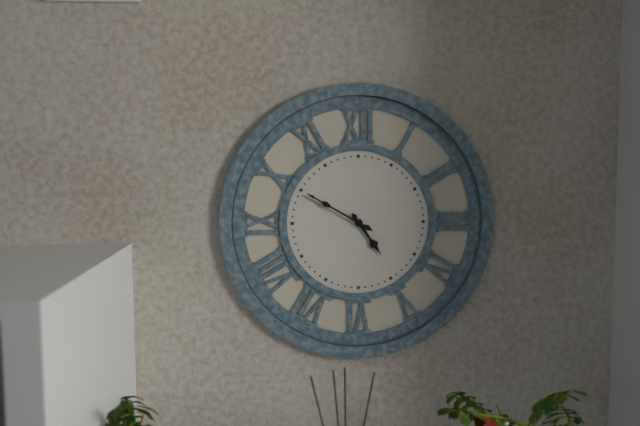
4:50
